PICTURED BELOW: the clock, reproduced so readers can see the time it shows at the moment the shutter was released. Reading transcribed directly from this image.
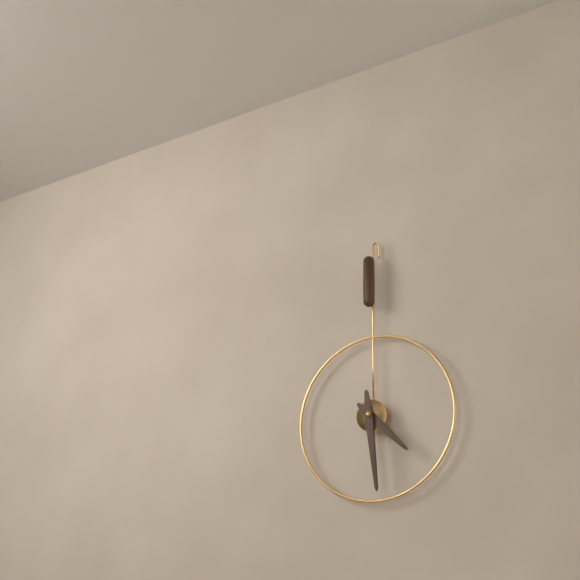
4:29
